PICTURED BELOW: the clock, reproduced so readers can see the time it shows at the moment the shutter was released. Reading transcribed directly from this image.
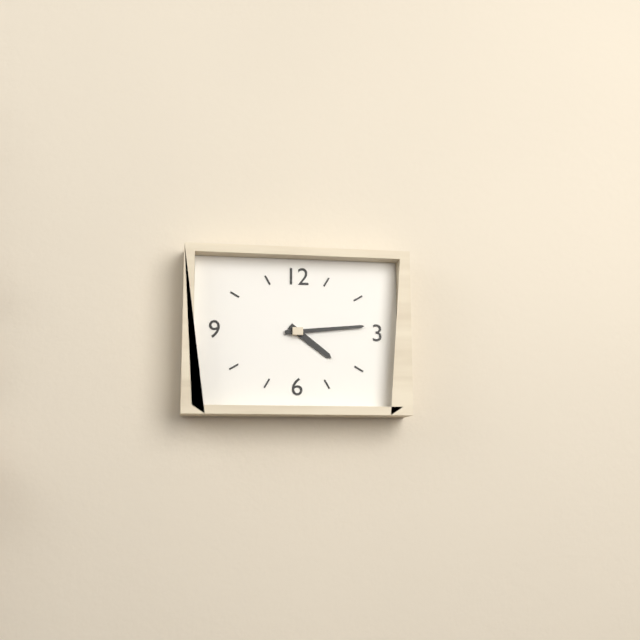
4:14
